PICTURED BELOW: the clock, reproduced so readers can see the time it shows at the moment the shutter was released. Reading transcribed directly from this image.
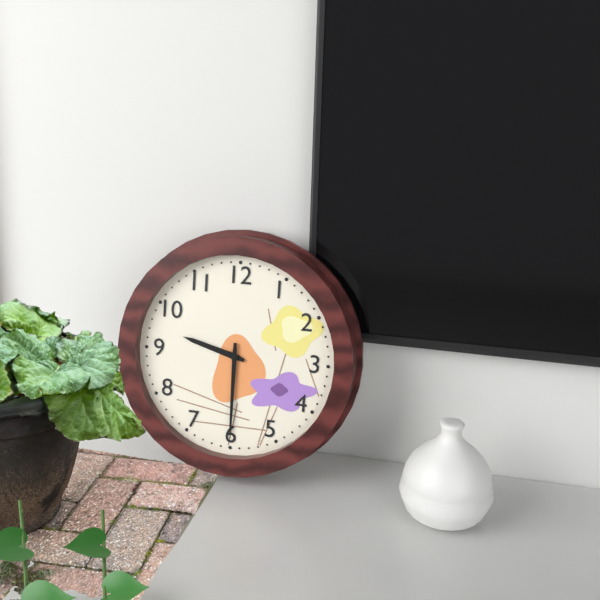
9:30
